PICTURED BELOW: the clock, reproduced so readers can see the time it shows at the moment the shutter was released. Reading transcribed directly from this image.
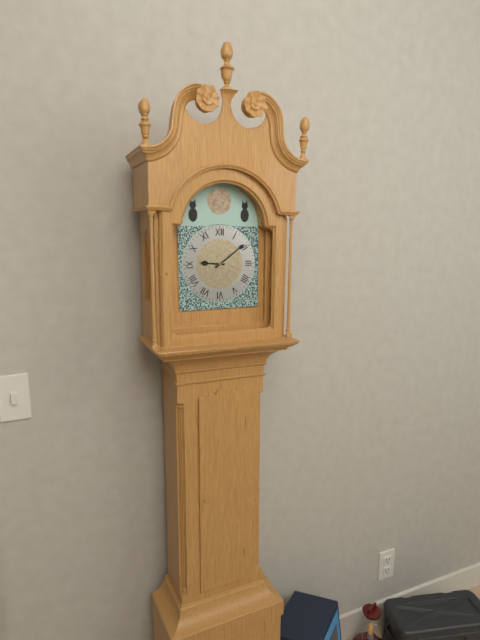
9:09
